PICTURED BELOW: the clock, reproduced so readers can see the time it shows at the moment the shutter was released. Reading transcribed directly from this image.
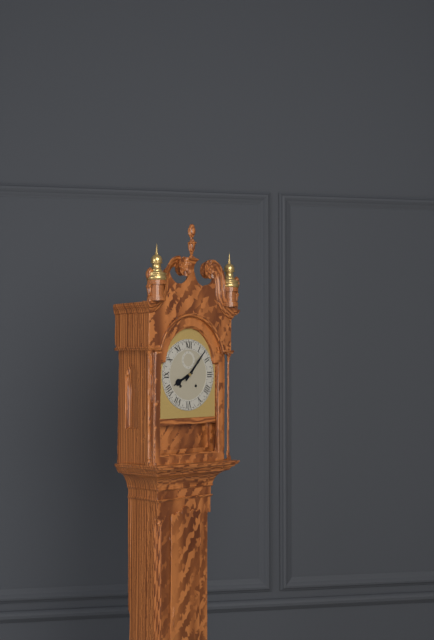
8:07
